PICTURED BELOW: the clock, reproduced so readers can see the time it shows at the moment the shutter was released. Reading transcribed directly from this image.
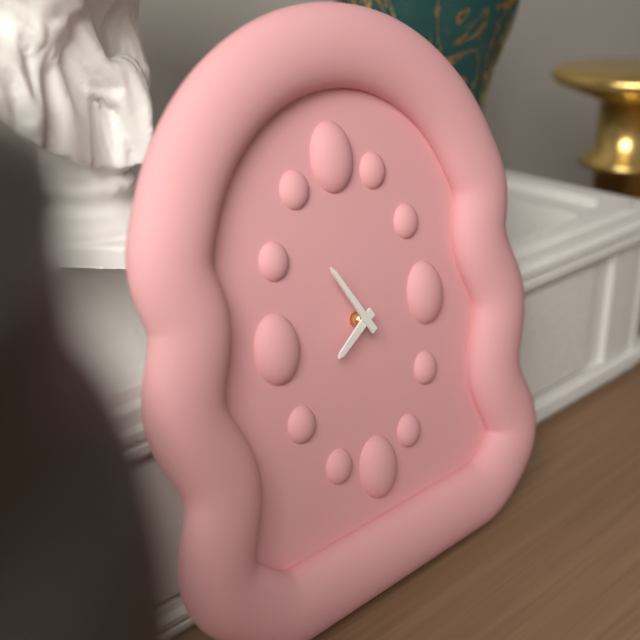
7:55
